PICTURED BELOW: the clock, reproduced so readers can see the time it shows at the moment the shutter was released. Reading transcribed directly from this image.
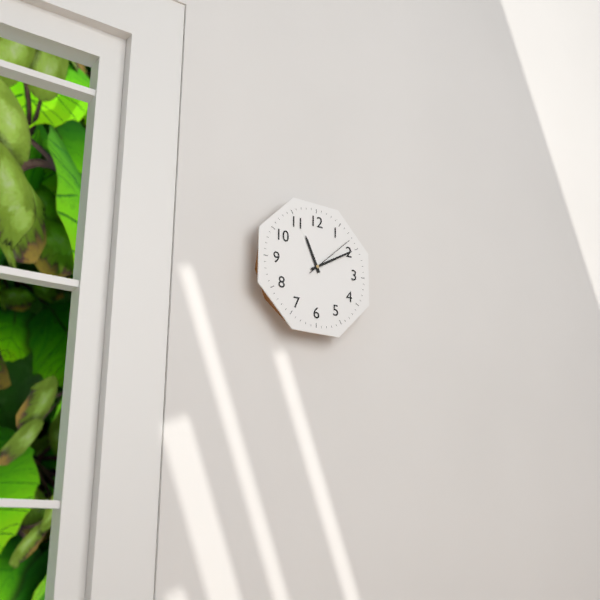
11:10:08
